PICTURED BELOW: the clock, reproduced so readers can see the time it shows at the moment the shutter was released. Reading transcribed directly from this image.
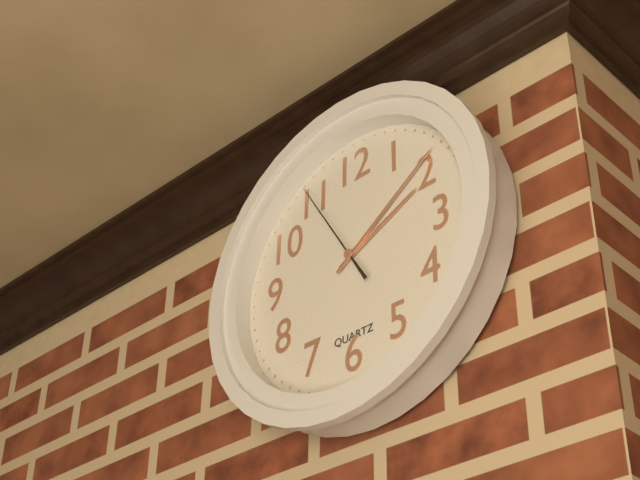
2:09:55
